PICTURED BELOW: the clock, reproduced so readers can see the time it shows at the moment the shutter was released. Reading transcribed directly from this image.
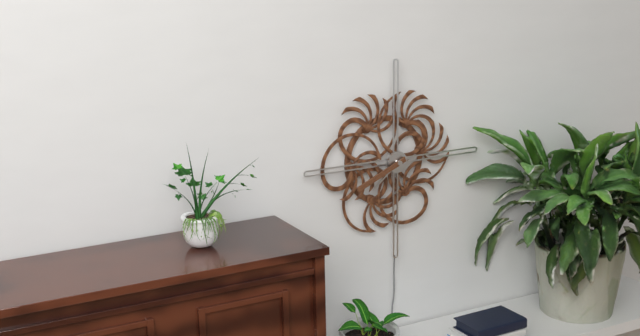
7:41
